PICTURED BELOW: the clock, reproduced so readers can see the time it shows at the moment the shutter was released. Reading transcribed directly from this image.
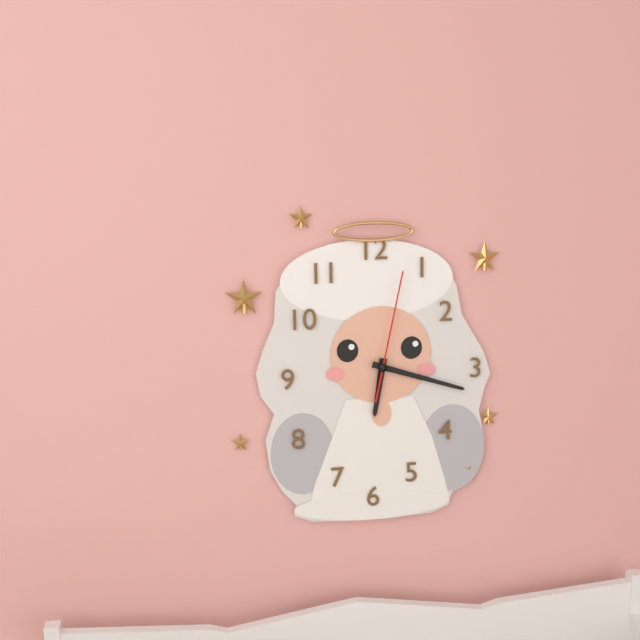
6:18:02
